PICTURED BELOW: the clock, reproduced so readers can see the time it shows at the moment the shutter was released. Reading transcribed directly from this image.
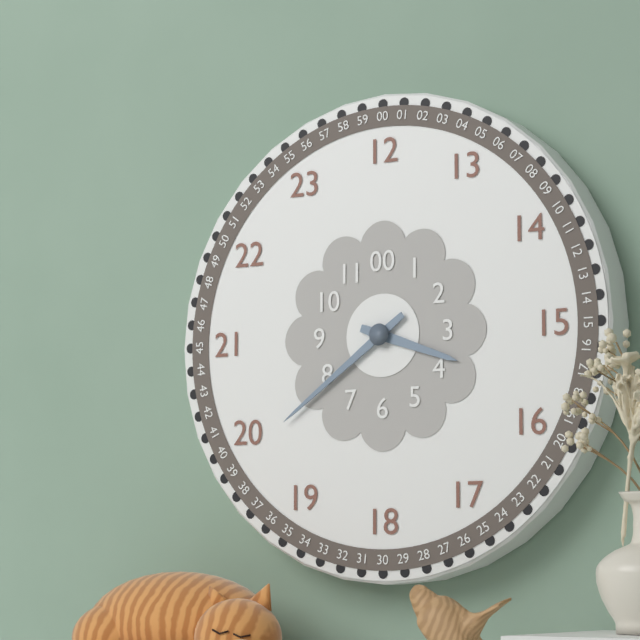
3:39
